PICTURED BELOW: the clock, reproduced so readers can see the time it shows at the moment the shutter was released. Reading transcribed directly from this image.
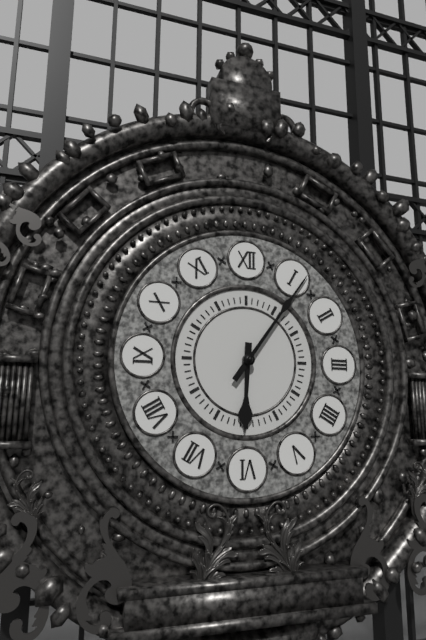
6:06
